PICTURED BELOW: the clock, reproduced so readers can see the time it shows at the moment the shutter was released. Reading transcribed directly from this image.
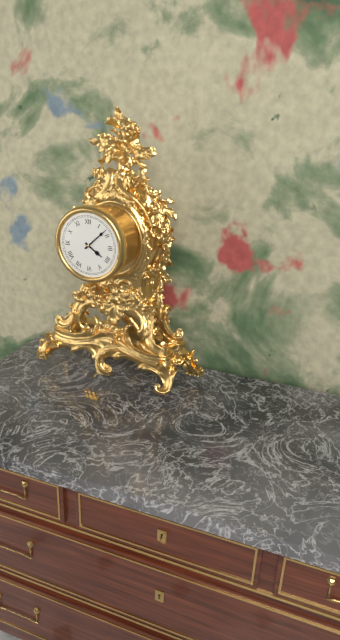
4:08
